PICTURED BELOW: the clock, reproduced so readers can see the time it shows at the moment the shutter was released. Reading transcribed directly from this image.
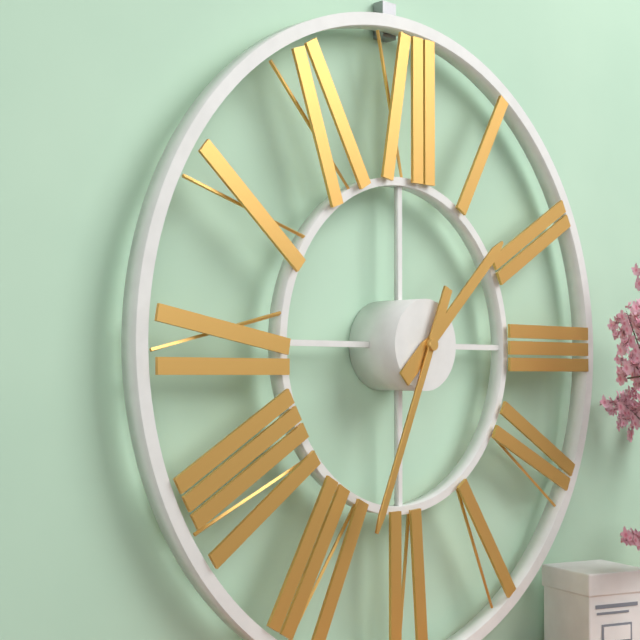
1:34
